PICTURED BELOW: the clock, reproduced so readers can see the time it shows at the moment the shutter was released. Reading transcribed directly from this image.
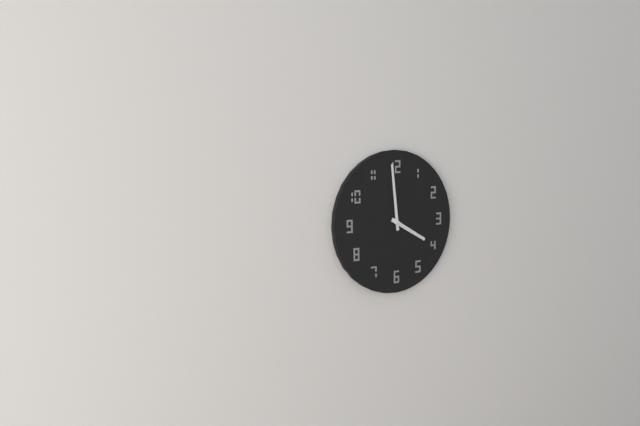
3:59
